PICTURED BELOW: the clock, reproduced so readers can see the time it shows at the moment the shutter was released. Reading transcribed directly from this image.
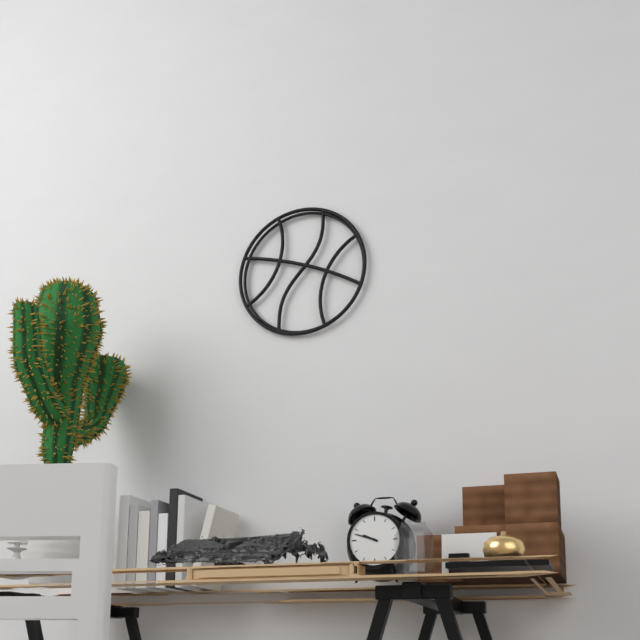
9:48
